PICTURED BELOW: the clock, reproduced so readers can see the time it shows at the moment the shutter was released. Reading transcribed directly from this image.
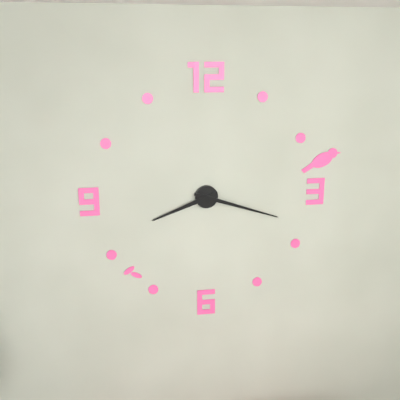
8:18
